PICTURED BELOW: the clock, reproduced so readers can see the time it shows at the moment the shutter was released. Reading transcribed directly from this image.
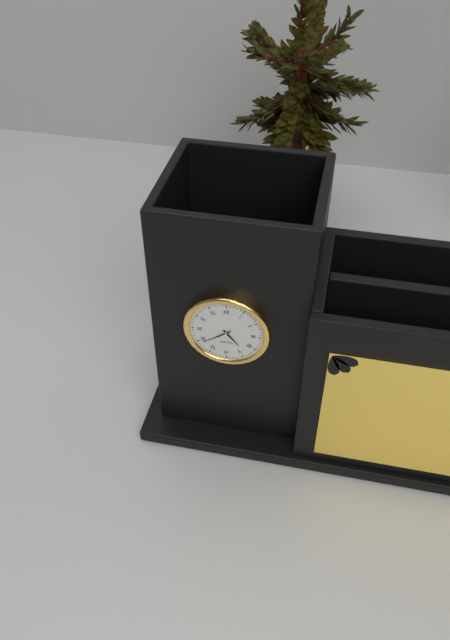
4:39
